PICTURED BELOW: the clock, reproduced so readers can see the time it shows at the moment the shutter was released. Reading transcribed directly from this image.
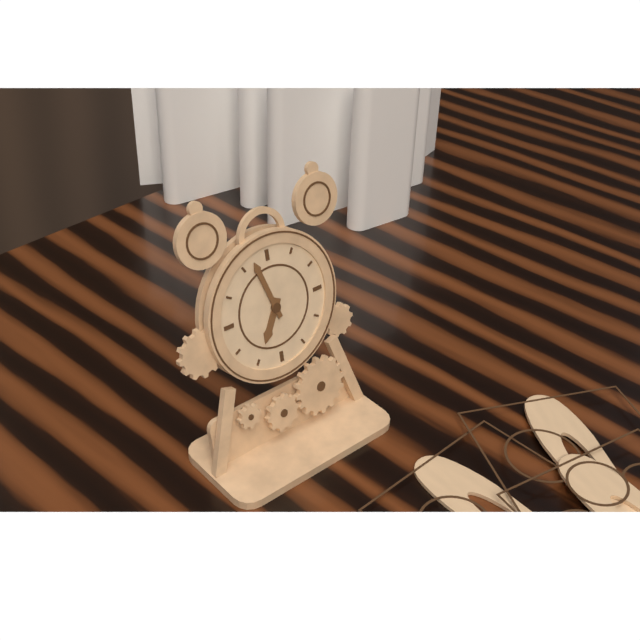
6:57
